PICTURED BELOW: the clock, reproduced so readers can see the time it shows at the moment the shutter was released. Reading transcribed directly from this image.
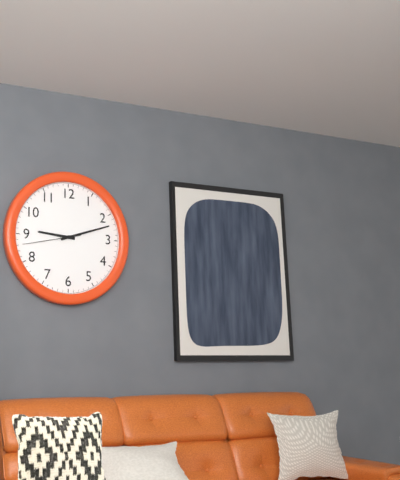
9:12:43
